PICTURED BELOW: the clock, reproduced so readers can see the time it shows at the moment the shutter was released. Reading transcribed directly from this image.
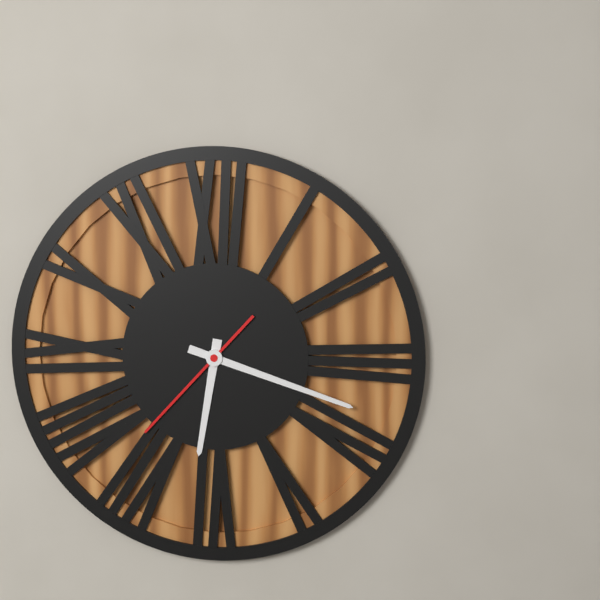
6:18:37
